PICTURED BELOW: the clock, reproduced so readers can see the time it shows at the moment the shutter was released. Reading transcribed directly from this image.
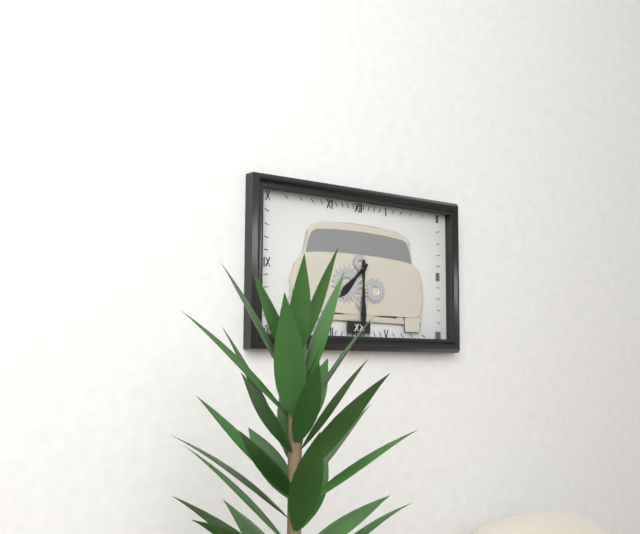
7:30
